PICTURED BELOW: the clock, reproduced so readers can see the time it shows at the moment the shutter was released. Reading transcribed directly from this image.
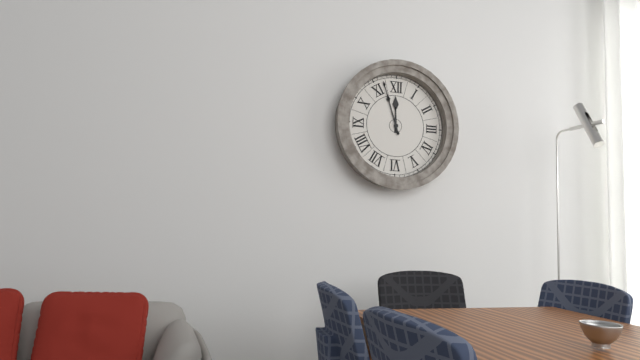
11:57
